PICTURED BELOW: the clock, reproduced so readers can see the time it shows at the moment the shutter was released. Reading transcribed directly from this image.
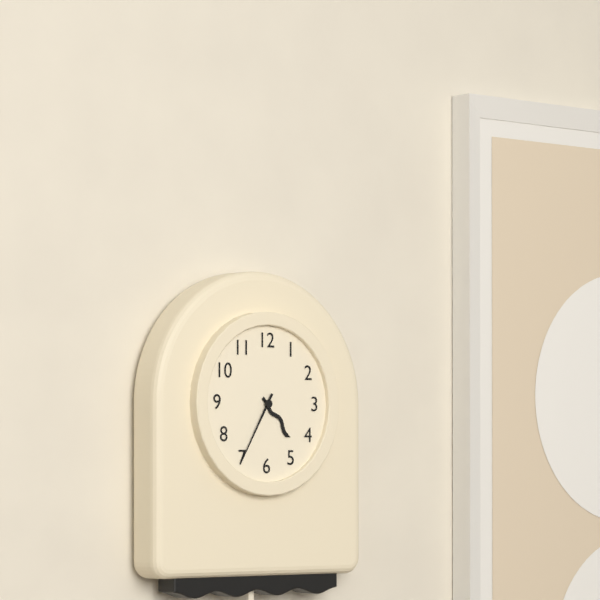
4:35
